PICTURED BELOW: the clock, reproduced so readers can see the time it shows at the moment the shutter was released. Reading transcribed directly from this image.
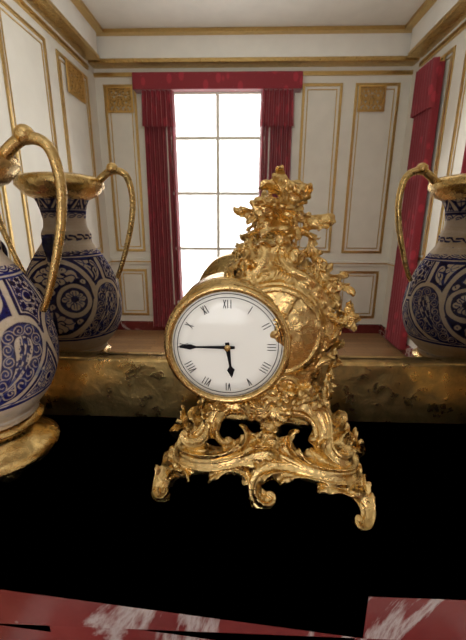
5:45
